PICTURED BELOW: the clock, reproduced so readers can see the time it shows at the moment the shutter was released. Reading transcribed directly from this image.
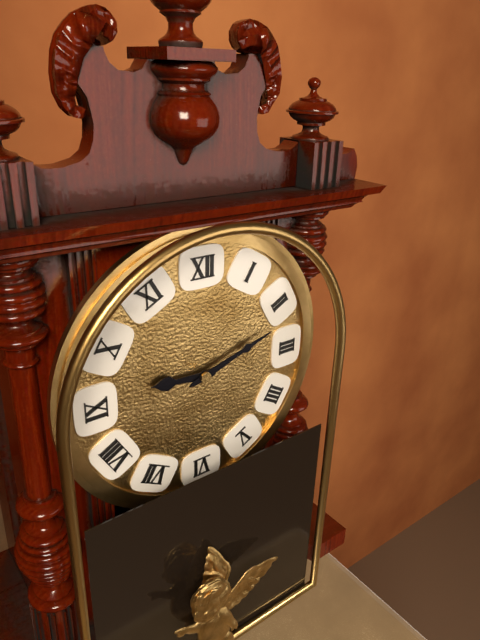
9:12
